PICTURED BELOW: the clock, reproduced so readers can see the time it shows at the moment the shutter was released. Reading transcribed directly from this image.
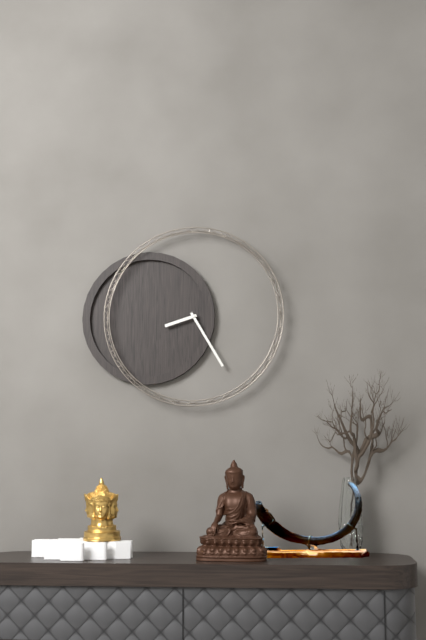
8:25
